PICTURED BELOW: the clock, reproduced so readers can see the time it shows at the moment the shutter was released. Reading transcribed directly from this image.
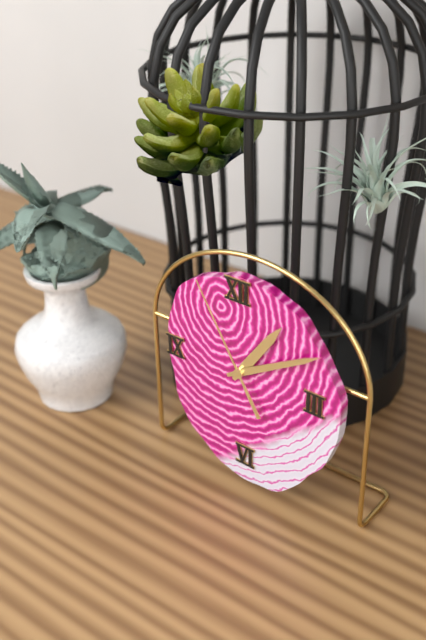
1:10:55
